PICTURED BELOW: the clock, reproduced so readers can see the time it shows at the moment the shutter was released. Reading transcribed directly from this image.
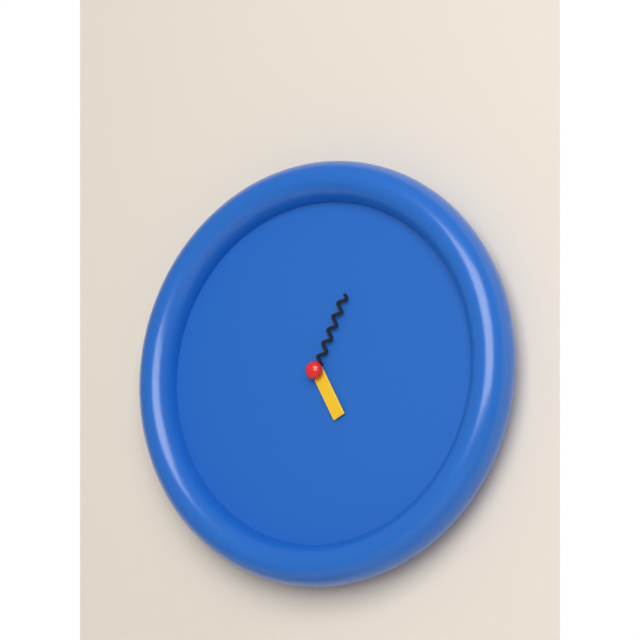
5:04
